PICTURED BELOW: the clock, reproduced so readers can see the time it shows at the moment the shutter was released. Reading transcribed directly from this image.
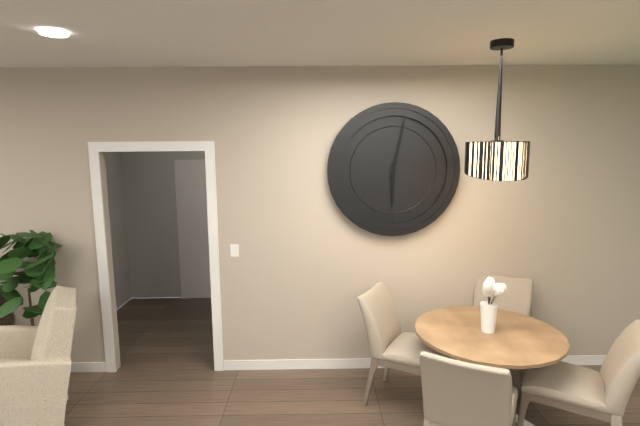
6:02
